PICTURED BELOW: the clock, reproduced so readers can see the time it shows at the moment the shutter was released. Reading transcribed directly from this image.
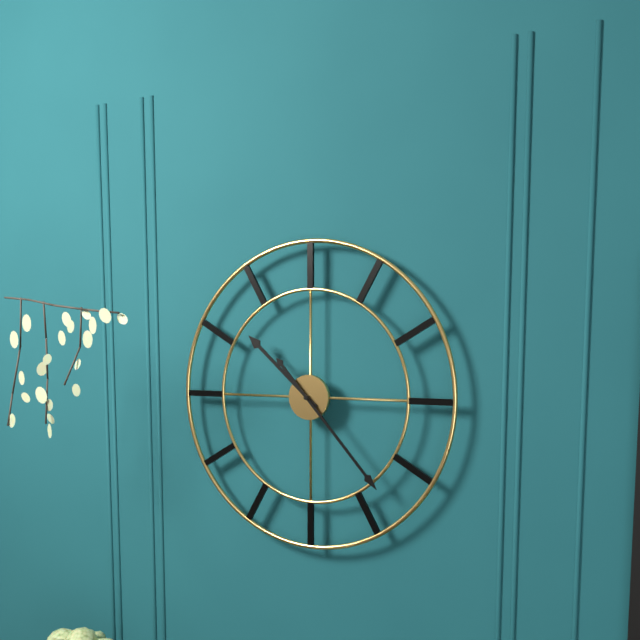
10:23
